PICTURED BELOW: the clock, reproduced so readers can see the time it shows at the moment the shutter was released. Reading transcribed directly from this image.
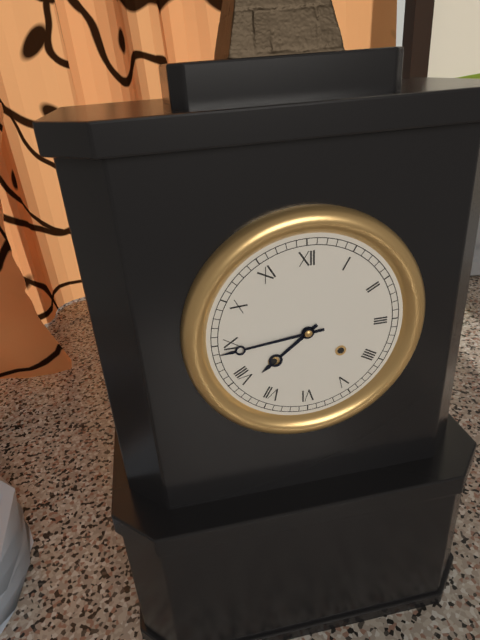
7:44
